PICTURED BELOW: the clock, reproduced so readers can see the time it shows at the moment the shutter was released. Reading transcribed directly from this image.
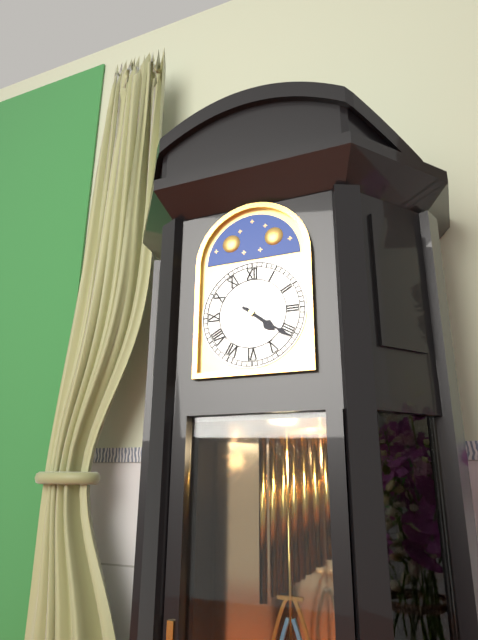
4:21
